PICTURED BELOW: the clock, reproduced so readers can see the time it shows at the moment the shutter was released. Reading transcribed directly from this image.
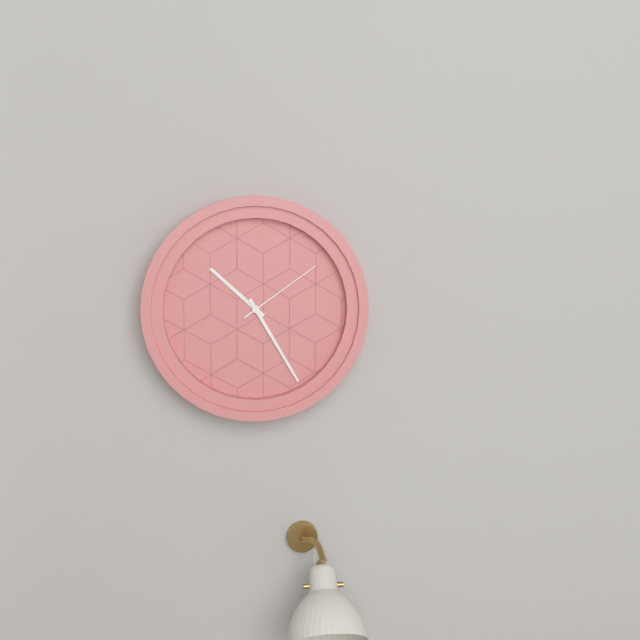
10:25:09
